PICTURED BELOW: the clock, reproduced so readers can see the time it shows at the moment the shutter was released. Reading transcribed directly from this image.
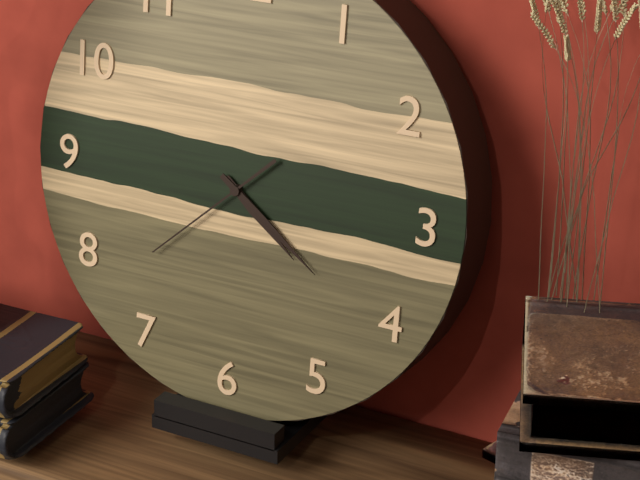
4:21:38
